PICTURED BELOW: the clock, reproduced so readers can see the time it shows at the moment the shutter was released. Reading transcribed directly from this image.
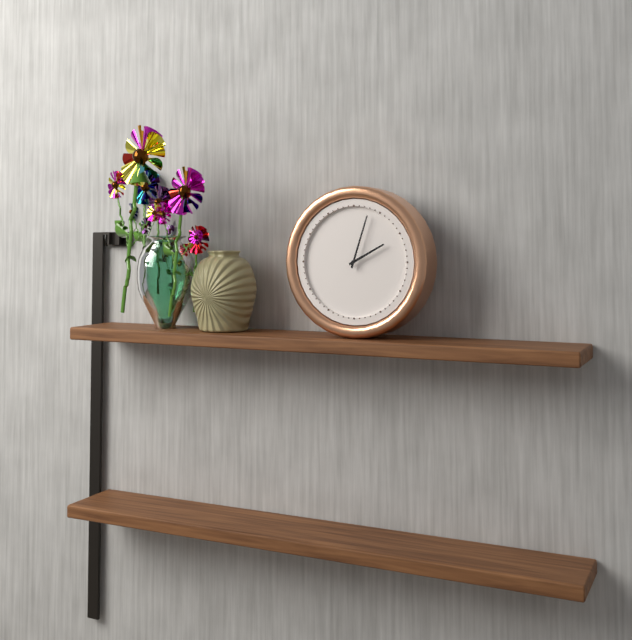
2:03
